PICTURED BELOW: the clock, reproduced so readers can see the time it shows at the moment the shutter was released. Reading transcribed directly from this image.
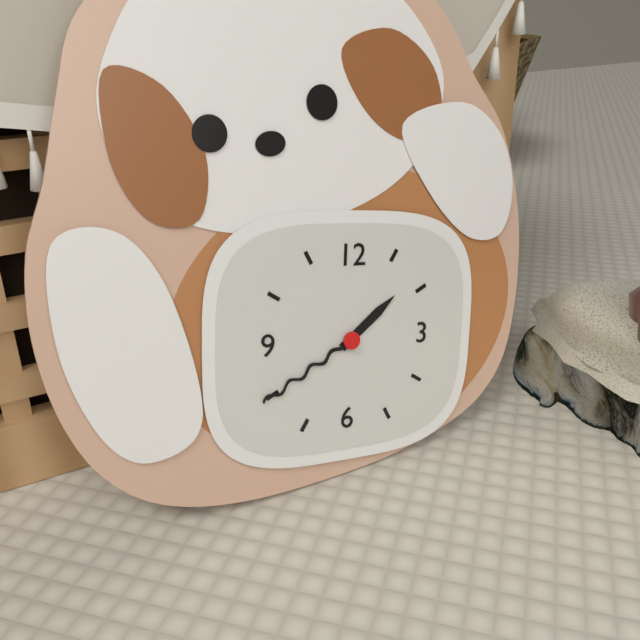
1:40
